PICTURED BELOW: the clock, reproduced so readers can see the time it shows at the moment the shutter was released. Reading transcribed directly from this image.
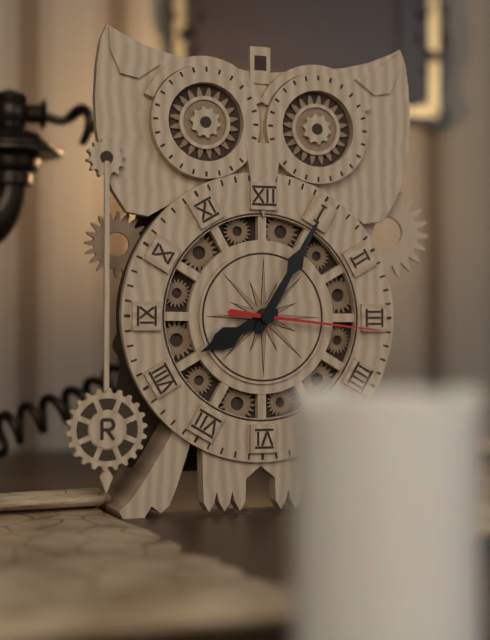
8:05:16
